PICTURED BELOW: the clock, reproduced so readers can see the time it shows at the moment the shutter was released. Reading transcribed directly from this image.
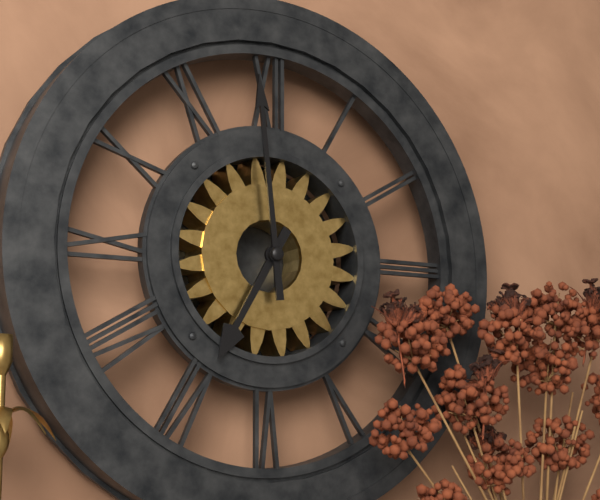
6:59
